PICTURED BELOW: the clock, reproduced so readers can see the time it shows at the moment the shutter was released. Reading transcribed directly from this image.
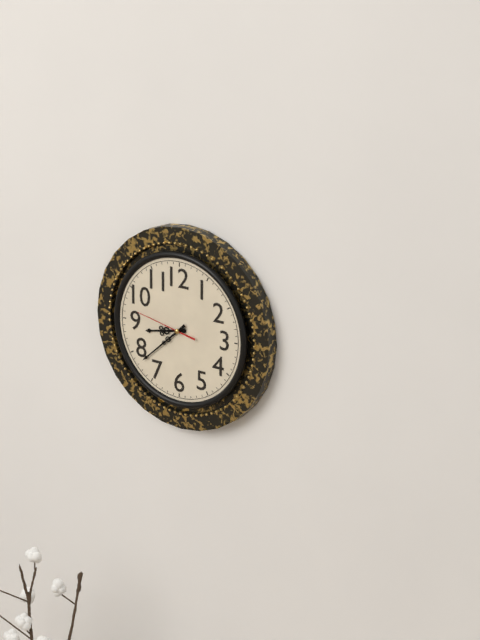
8:38:47
